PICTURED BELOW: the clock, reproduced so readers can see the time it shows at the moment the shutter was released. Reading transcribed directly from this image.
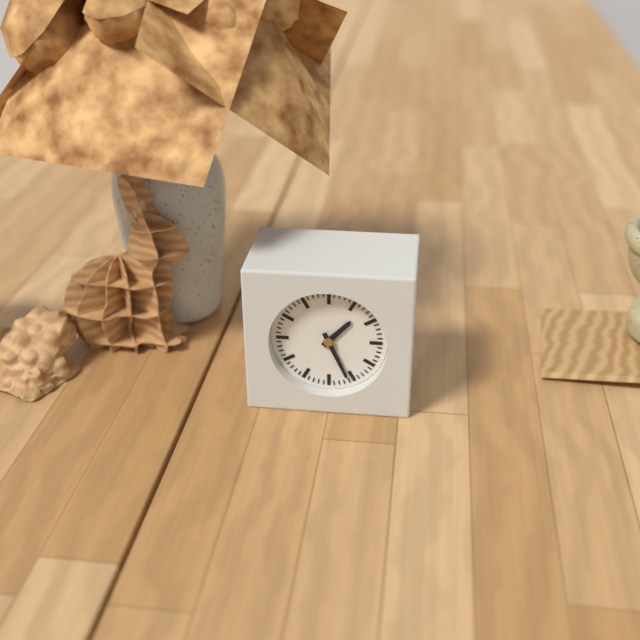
1:26
